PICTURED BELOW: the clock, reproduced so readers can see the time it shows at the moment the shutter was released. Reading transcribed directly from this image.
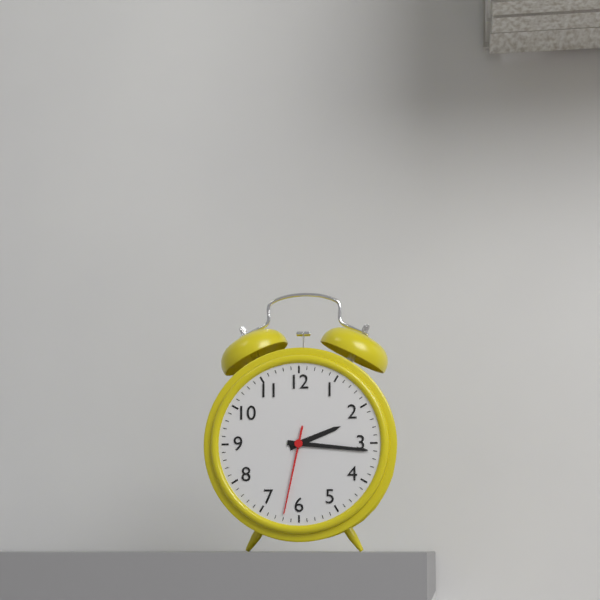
2:16:32
